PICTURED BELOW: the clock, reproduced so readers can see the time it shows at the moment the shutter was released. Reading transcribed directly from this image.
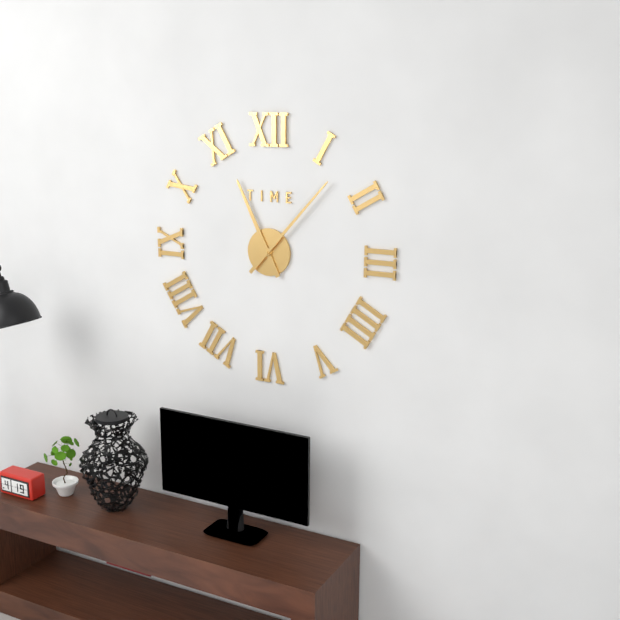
11:07
